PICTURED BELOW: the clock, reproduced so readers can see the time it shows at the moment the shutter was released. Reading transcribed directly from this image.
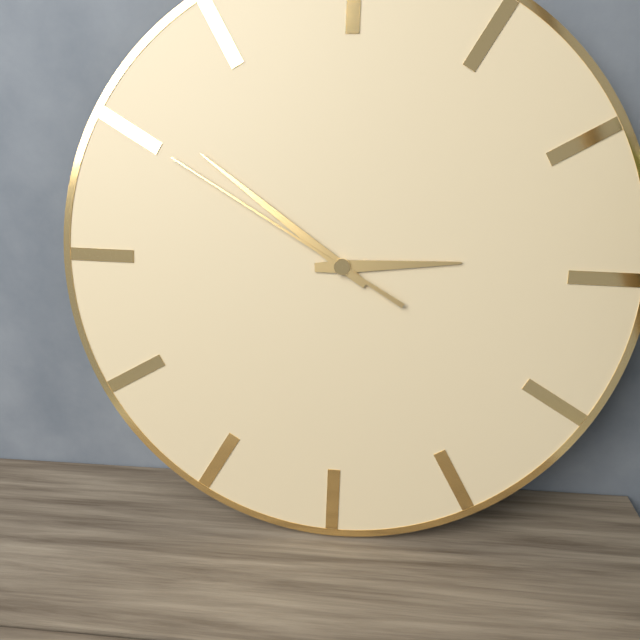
2:51:50
